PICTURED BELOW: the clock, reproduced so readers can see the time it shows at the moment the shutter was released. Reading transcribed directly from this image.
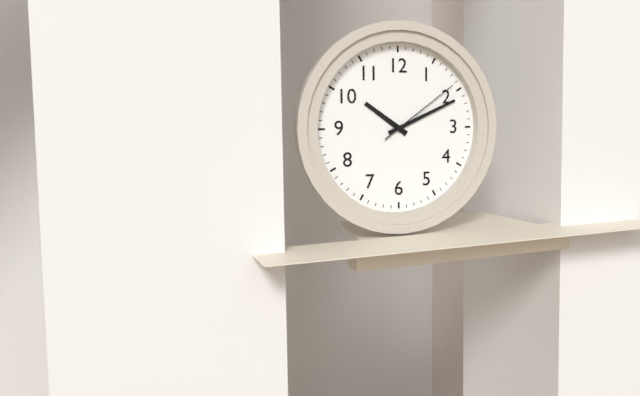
10:11:09
